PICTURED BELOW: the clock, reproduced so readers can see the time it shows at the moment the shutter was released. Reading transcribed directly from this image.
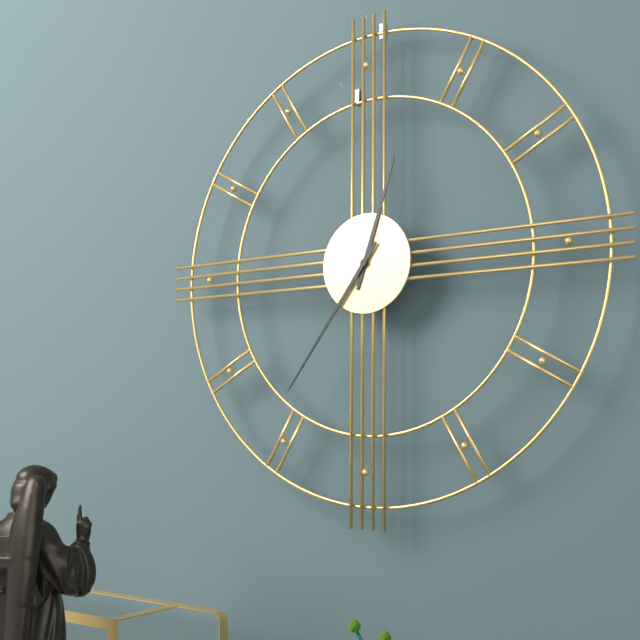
12:36
